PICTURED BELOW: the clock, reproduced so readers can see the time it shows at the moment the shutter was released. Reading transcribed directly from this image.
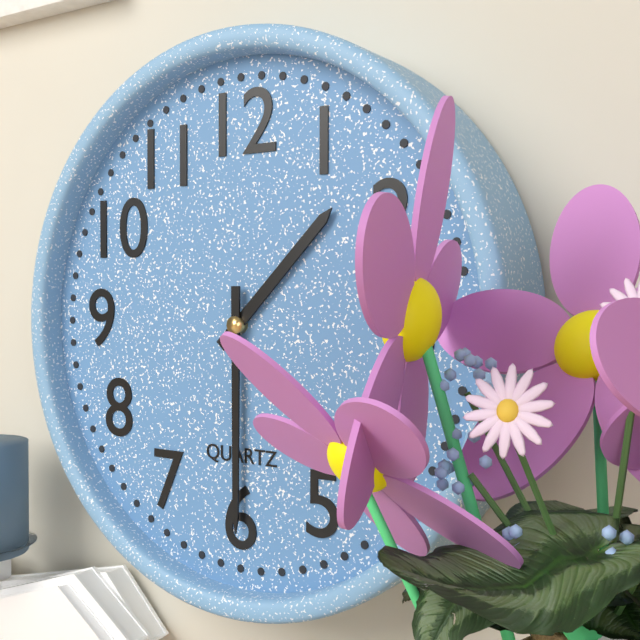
1:30
